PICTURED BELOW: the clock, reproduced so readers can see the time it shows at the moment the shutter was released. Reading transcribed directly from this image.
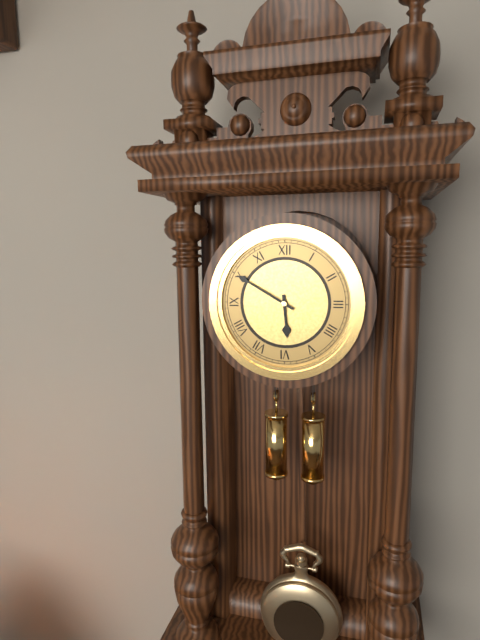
5:50
